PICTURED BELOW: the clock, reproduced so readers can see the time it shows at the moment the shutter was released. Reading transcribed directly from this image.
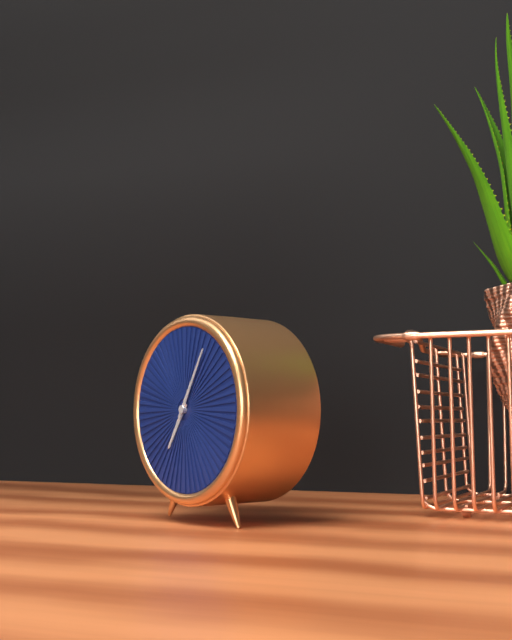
7:05
